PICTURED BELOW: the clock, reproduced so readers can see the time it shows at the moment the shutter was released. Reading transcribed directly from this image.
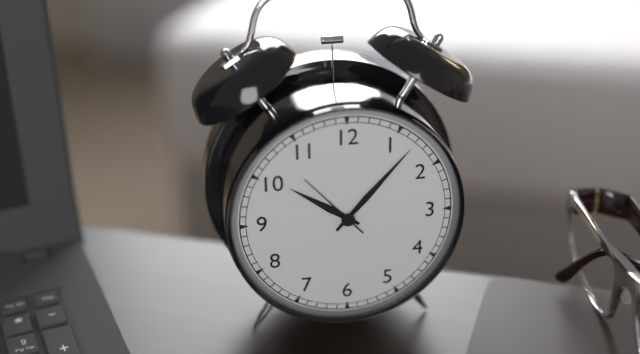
10:07:53
